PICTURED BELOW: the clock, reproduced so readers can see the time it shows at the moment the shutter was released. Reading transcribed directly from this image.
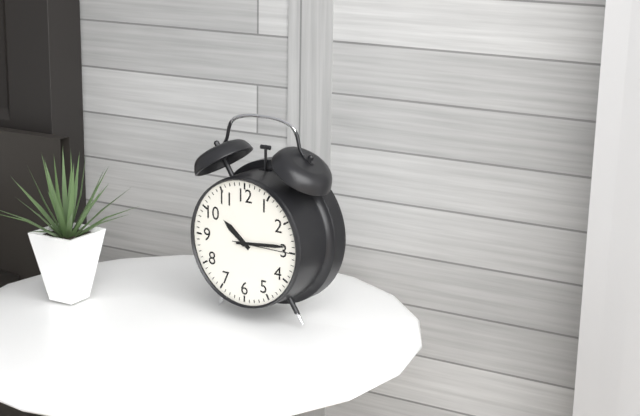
10:14:15
